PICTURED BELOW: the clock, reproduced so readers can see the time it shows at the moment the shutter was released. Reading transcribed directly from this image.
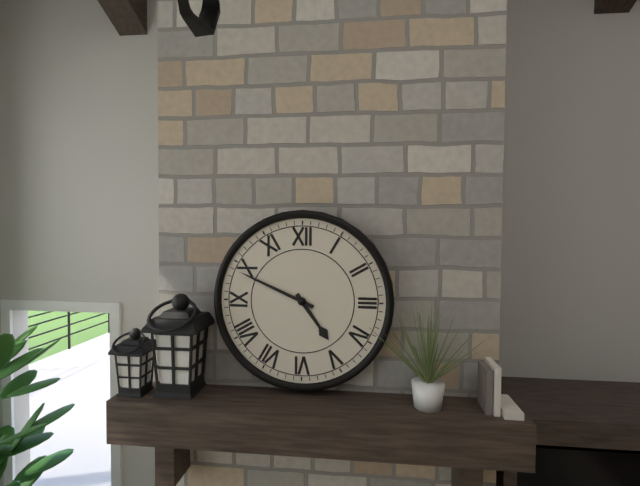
4:49
